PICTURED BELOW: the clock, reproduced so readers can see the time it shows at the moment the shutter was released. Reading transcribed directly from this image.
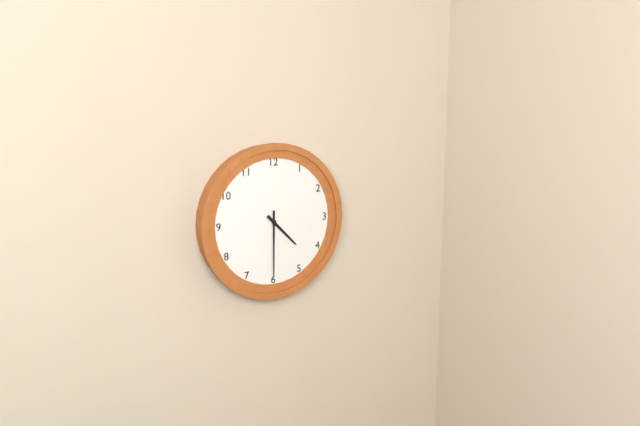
4:30
